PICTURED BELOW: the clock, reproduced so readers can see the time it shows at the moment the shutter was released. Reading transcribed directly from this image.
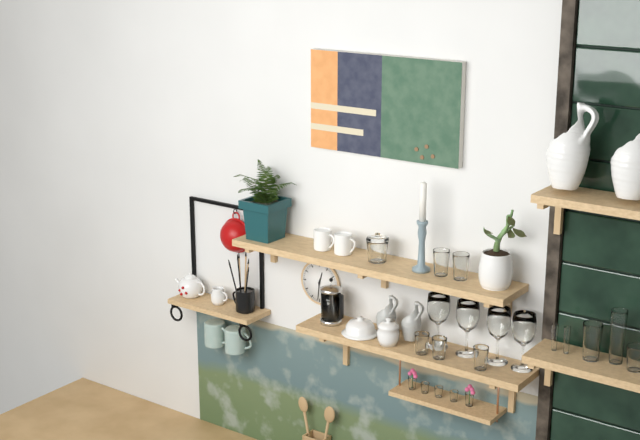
12:31
